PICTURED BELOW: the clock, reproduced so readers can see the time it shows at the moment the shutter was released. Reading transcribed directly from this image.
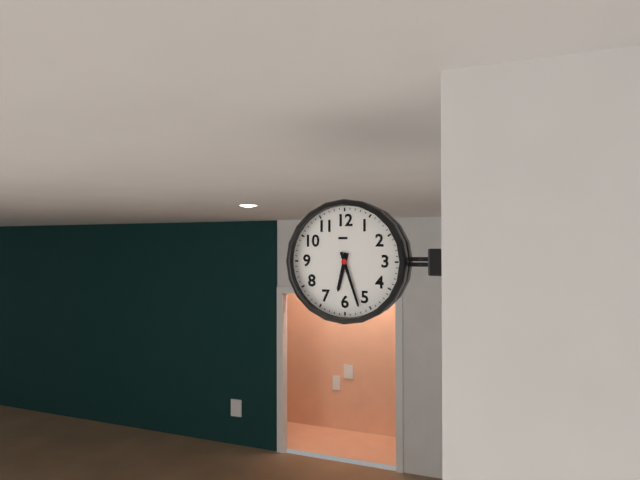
6:27
